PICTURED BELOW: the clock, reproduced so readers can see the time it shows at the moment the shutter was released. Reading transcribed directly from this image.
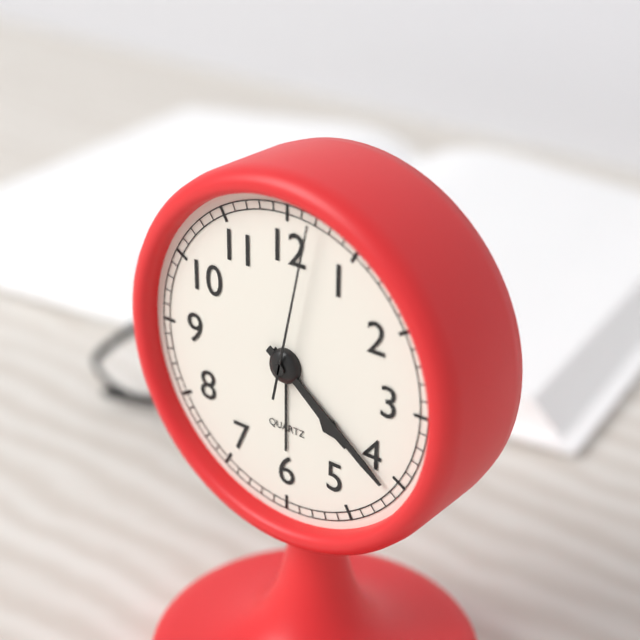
4:21:02
